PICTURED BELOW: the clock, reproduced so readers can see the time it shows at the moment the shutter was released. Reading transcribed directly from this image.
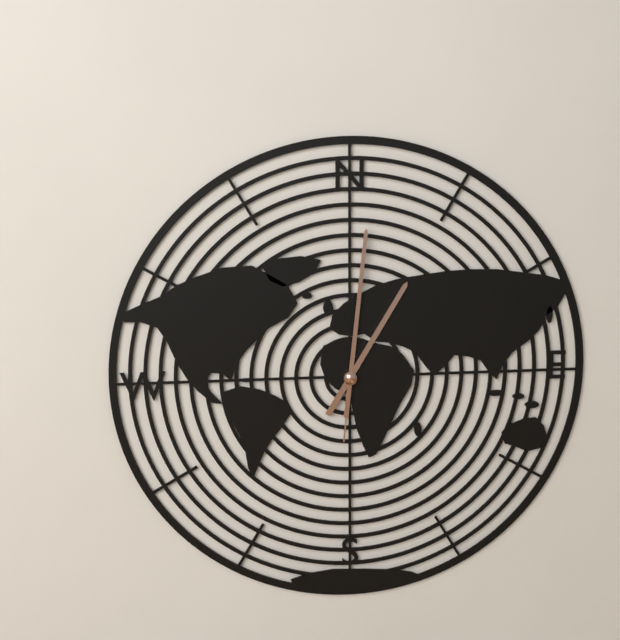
1:01:01
